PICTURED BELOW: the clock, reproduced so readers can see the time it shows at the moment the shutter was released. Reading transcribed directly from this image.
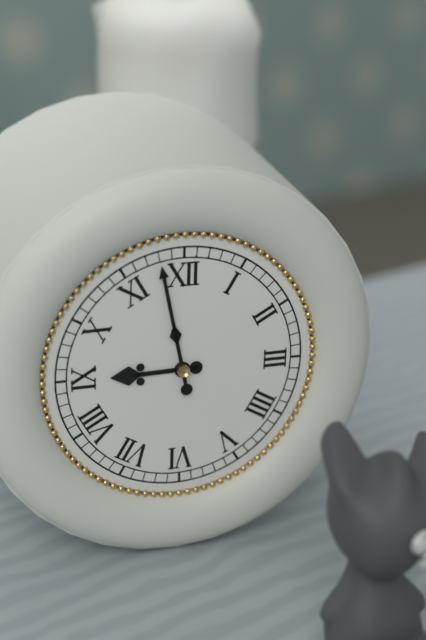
8:58
